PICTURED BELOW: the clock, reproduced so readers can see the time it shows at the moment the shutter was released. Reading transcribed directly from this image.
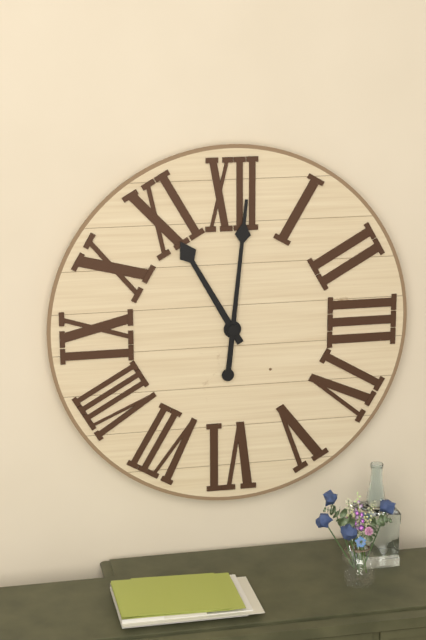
11:01
